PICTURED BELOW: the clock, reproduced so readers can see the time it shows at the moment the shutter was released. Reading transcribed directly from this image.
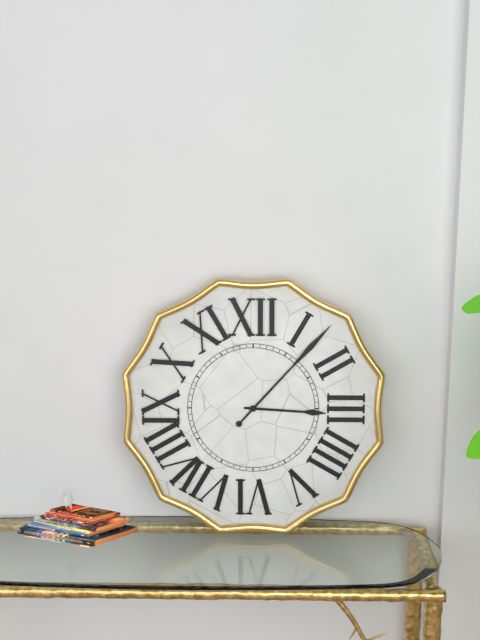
3:07
